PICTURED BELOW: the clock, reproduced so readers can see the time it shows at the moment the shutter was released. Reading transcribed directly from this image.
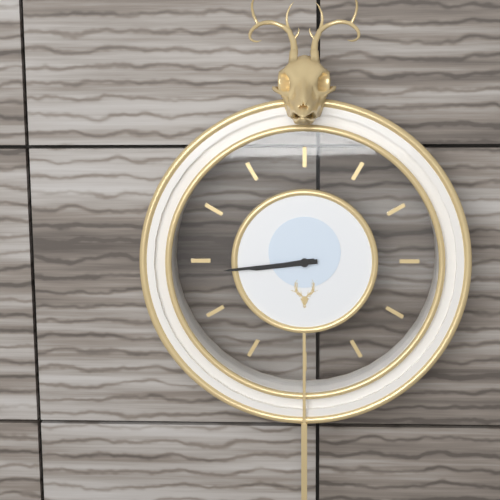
8:44
